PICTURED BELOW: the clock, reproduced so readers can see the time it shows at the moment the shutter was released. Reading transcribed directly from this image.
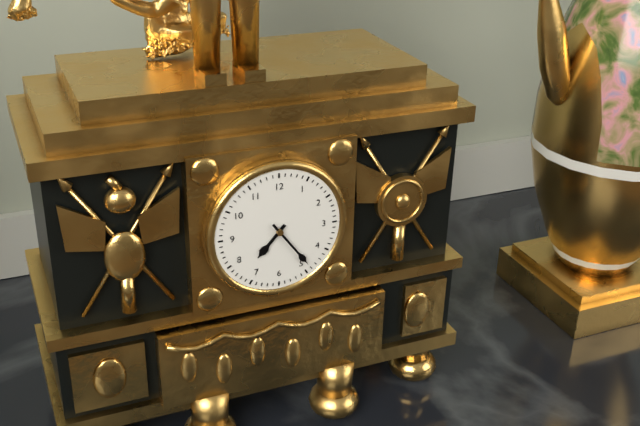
7:24
